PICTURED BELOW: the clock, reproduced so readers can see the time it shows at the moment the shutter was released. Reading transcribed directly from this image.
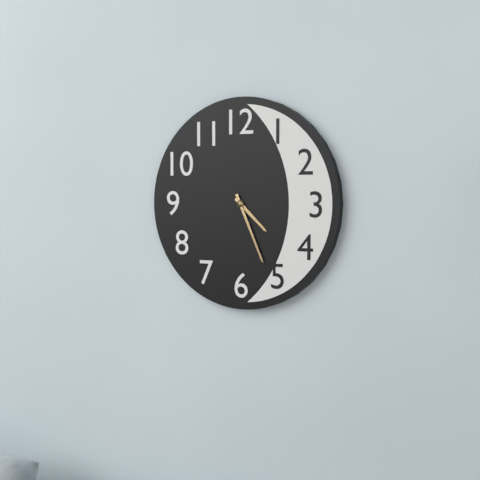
4:26
